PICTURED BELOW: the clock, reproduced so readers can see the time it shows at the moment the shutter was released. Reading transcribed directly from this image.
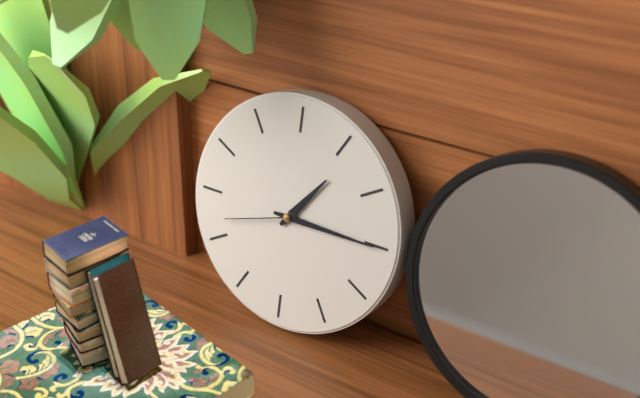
1:15:42
